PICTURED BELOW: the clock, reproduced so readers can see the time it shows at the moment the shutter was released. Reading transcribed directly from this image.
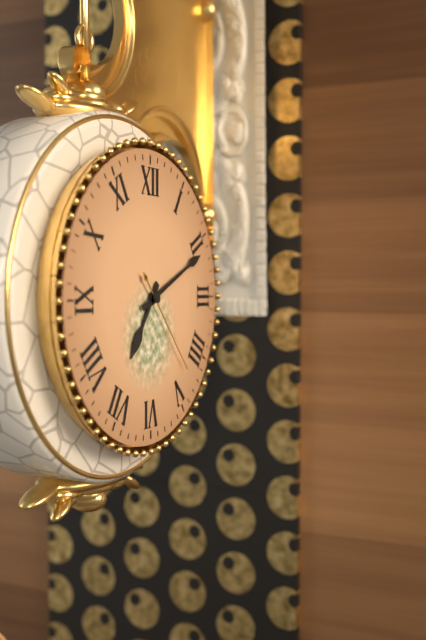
7:11:23
